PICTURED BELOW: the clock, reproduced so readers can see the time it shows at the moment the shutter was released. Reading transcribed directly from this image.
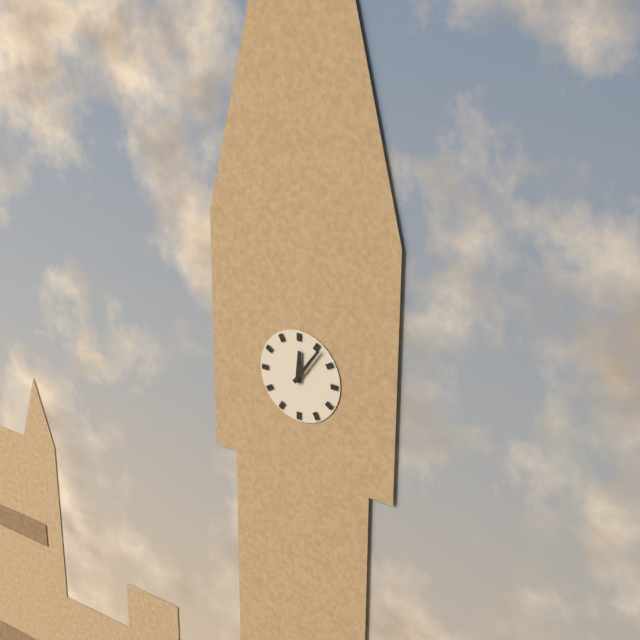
12:06
